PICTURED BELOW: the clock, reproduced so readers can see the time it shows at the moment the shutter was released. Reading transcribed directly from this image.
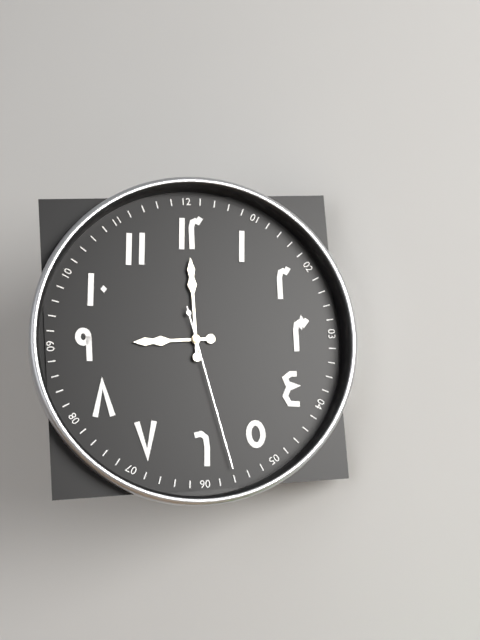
9:00:28
